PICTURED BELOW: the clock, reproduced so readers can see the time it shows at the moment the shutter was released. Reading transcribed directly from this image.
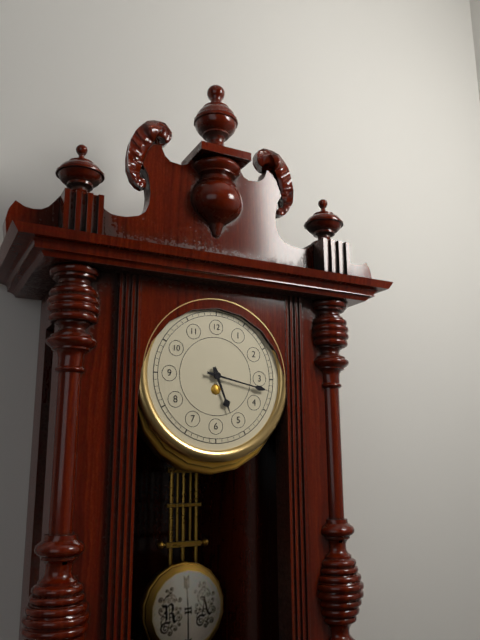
5:17
